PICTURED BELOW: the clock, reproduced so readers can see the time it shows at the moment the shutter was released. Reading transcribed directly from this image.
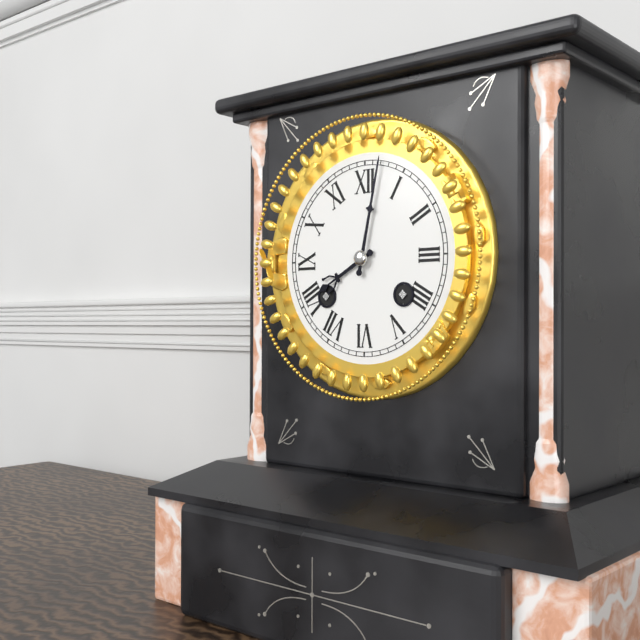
8:02
